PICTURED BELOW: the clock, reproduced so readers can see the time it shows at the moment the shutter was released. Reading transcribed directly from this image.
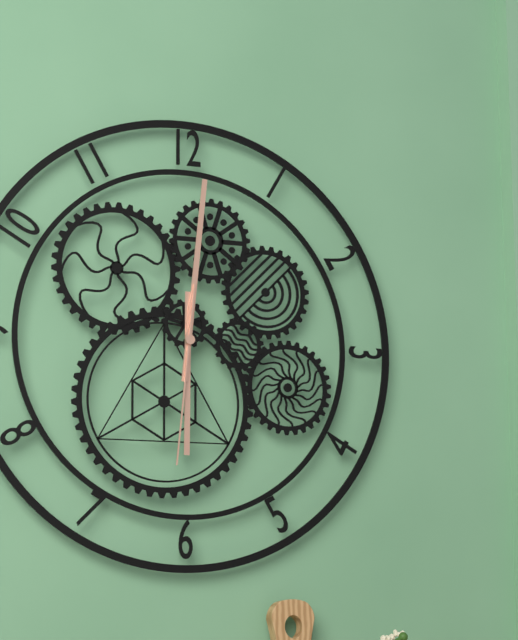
6:01:31
